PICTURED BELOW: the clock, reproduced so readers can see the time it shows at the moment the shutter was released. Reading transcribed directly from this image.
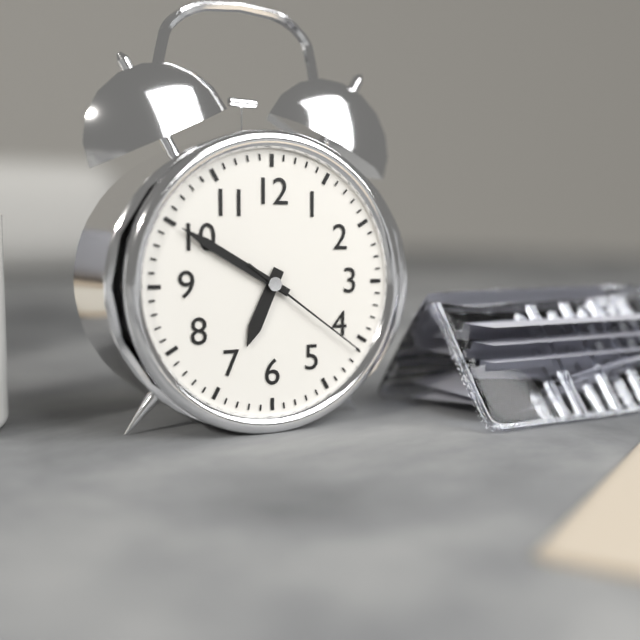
6:50:21
